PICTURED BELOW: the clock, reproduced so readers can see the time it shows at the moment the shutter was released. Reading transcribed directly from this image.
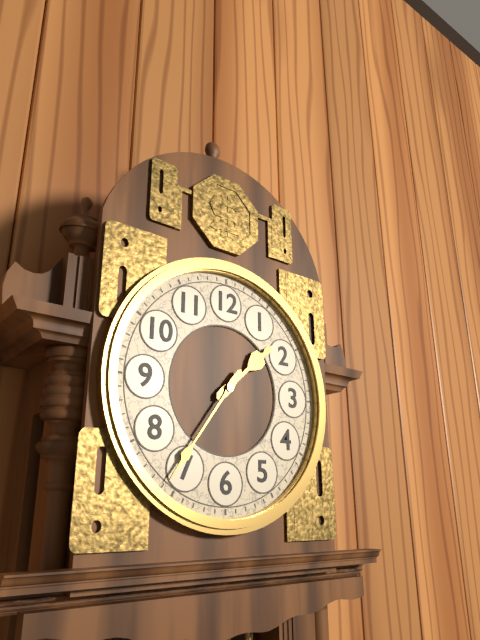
1:36
